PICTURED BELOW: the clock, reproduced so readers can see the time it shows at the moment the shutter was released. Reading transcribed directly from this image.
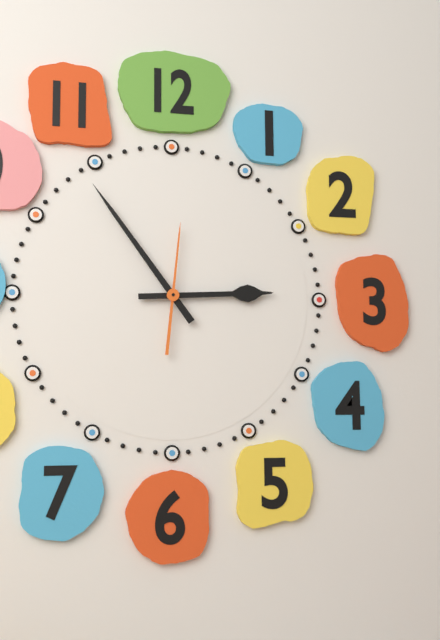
2:54:01
